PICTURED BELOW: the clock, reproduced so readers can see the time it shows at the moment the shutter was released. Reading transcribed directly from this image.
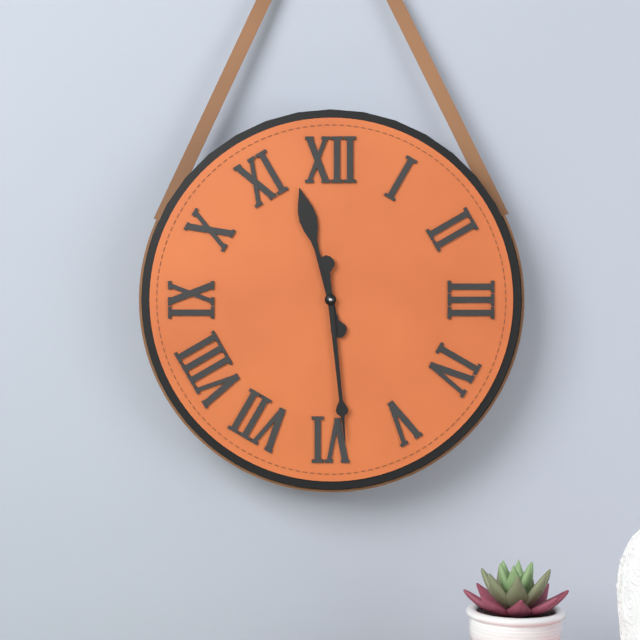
11:29
